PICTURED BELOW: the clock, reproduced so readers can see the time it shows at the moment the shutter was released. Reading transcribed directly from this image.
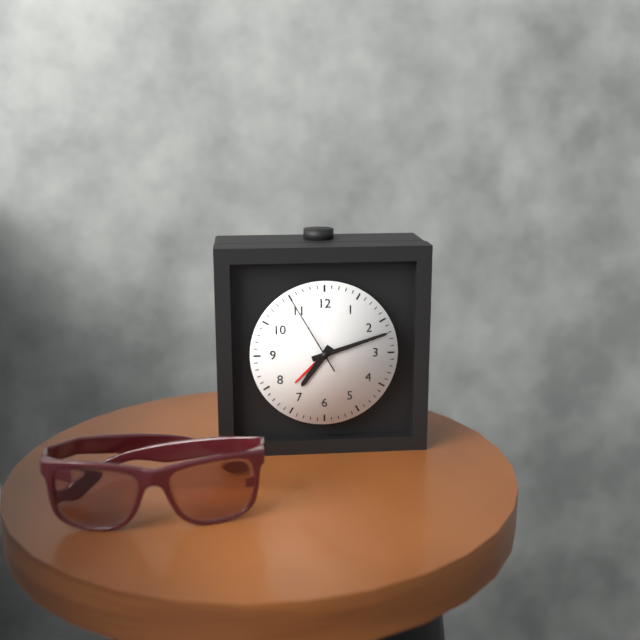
7:12:55
